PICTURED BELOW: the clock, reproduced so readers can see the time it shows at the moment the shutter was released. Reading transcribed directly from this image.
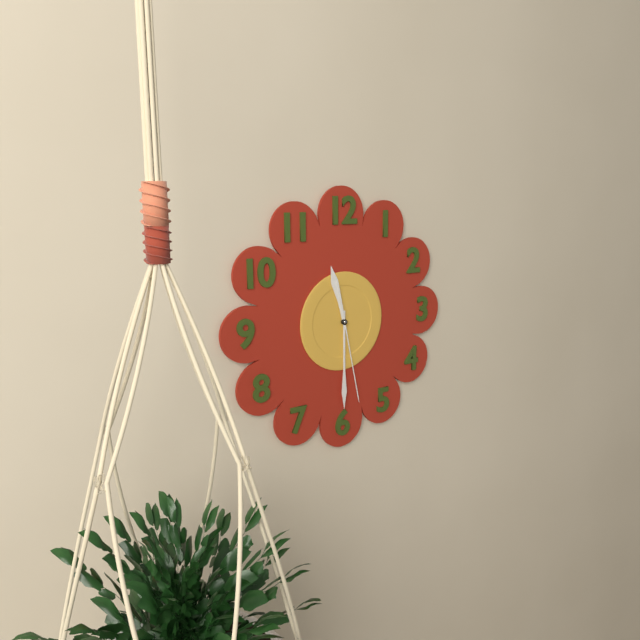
11:30:28
